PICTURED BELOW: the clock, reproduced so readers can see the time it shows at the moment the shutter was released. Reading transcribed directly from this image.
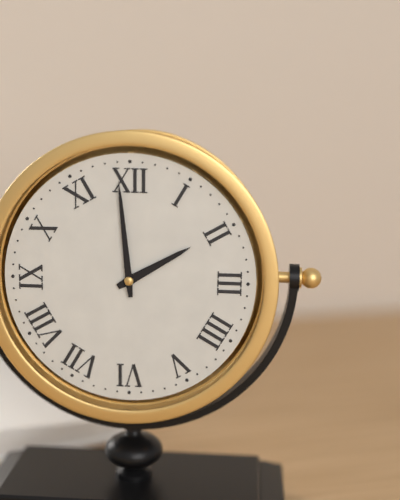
1:59
